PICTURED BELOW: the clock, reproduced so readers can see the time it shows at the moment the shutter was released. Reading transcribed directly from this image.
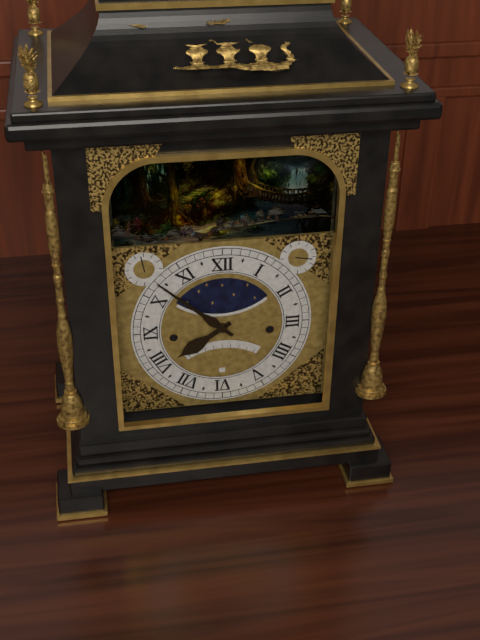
7:52
